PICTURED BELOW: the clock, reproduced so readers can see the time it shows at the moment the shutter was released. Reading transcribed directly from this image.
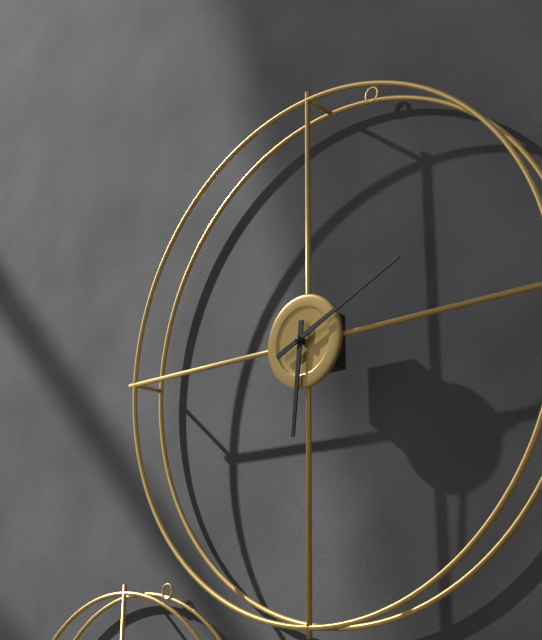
6:11
